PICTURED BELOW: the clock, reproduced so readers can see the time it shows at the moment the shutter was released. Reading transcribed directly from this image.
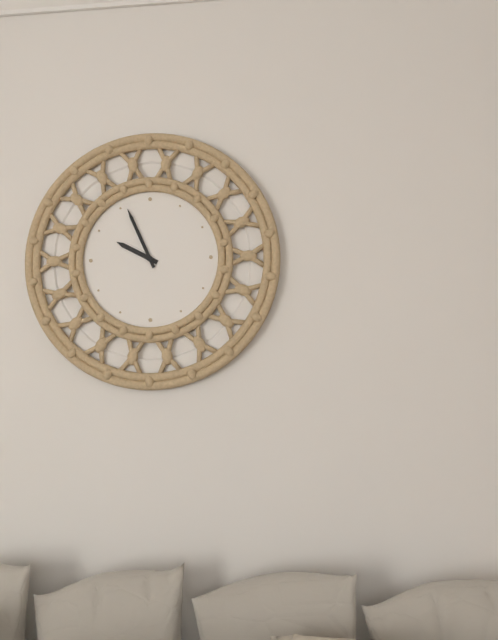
9:56
